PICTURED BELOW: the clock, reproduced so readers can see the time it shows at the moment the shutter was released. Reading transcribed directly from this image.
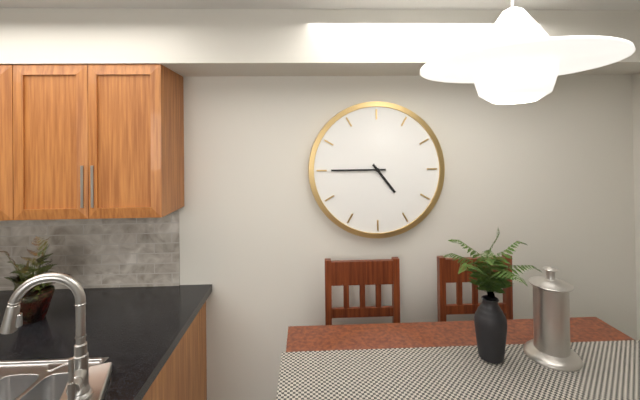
4:45
